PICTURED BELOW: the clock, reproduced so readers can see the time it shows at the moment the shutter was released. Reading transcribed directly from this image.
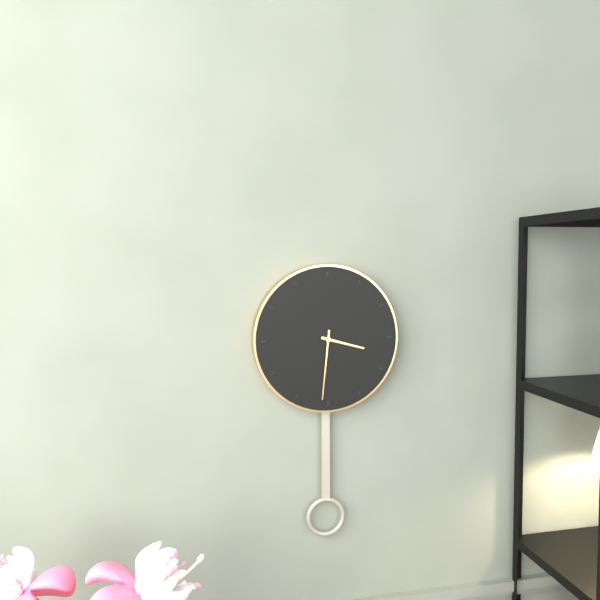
3:31
